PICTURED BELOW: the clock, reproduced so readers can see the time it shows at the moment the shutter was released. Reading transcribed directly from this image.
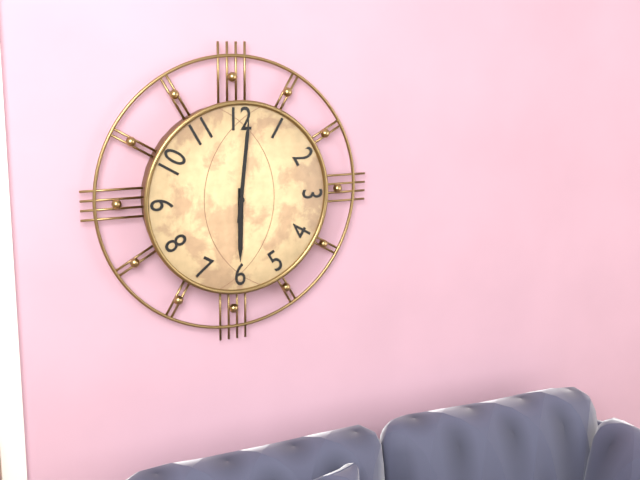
6:01
